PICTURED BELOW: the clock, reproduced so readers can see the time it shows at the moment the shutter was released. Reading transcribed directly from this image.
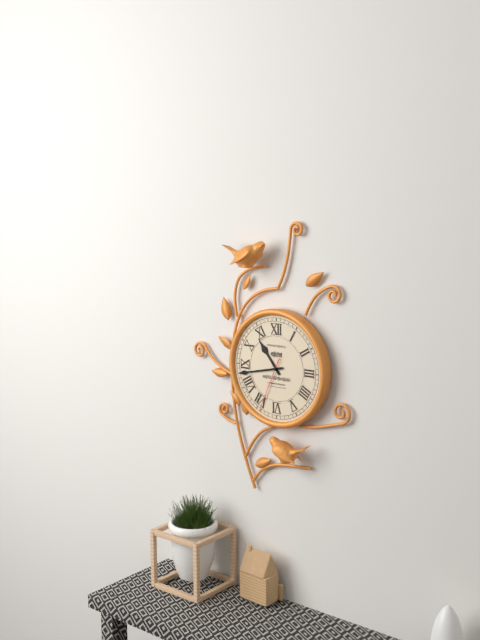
10:43:34
